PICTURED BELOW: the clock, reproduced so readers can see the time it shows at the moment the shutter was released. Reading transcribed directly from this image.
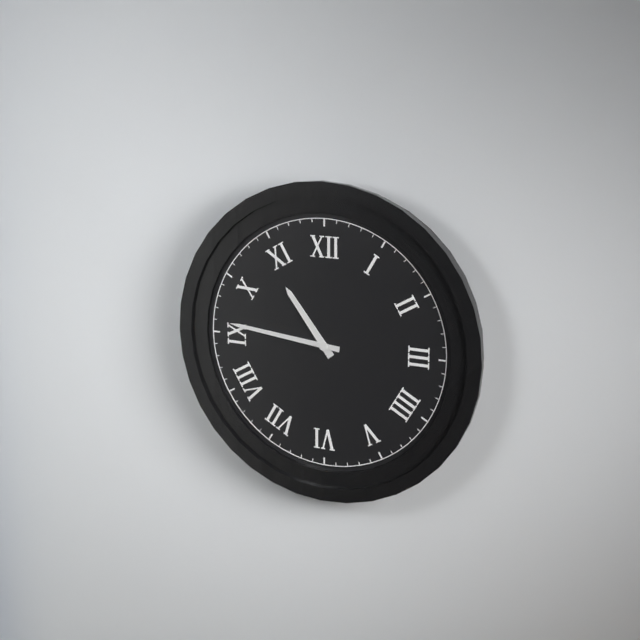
10:46
